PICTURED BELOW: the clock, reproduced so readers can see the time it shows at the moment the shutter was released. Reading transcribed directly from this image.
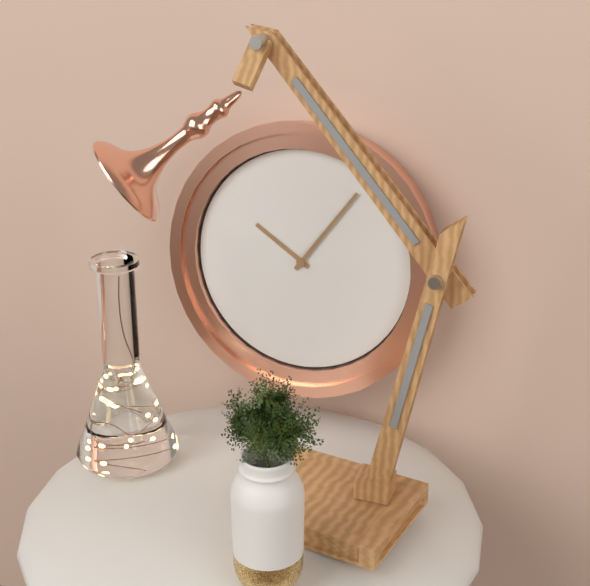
10:06
